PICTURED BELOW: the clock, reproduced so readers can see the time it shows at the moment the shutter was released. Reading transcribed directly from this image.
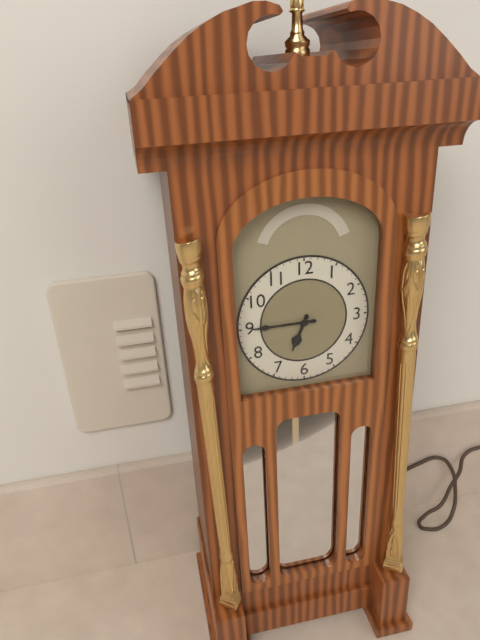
6:45
